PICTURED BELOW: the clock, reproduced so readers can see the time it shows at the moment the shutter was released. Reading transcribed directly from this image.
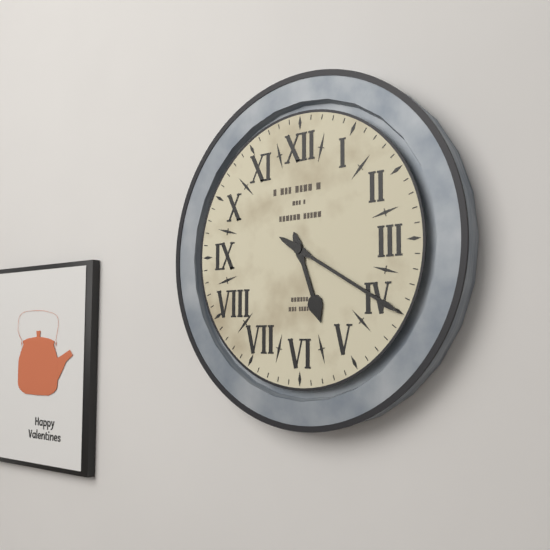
5:20
